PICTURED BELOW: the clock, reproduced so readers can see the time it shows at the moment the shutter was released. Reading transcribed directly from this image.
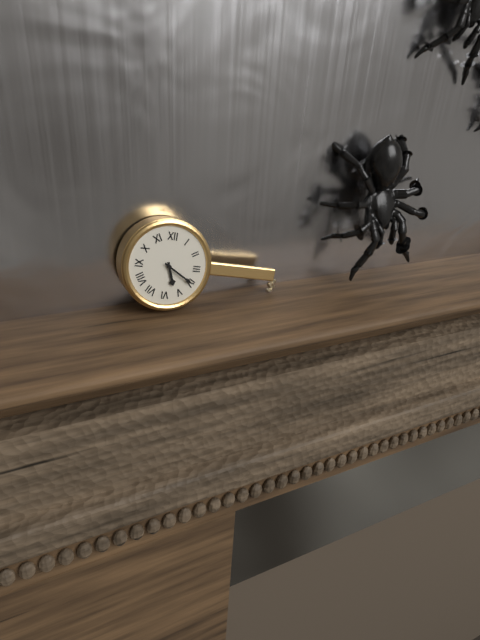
5:20
